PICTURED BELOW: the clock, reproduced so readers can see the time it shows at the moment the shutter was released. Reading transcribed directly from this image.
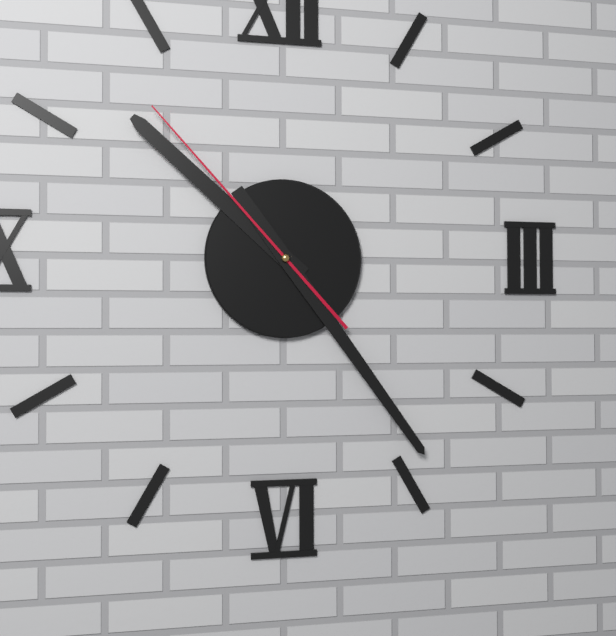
10:24:53
